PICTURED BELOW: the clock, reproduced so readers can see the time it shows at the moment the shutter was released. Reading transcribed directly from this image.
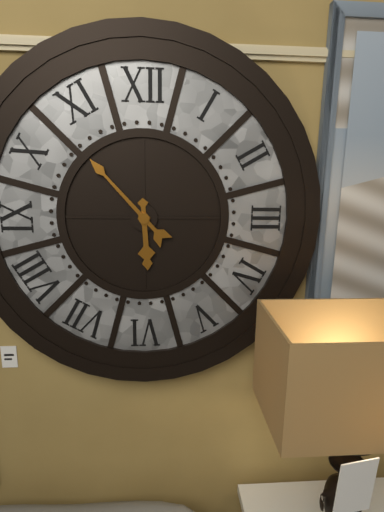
5:53
